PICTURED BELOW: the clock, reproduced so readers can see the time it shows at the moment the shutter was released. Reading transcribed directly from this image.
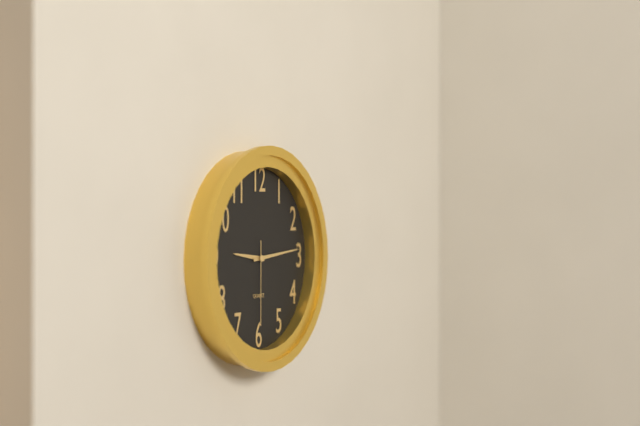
9:14:30
